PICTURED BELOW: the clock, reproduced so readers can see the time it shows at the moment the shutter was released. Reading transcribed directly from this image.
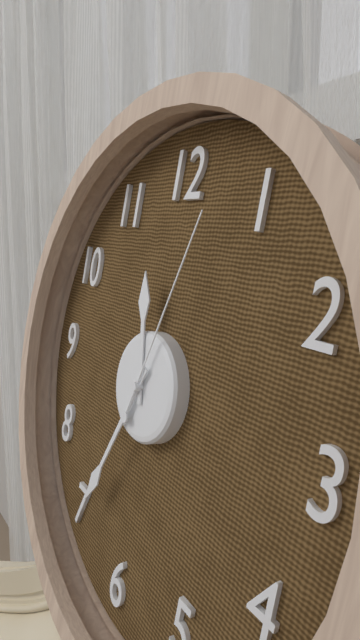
11:34:03
